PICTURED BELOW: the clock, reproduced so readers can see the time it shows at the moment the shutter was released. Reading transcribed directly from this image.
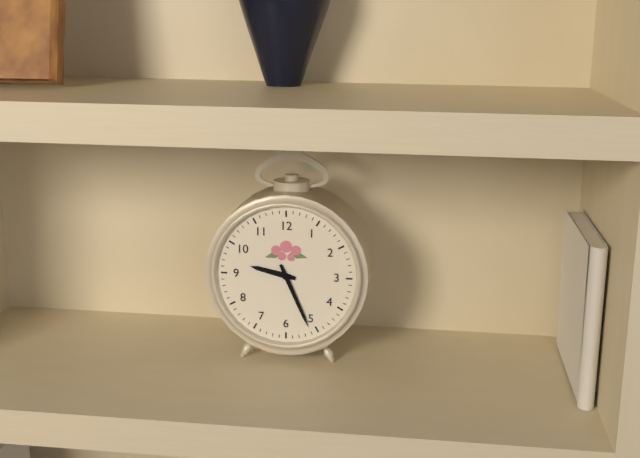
9:26
